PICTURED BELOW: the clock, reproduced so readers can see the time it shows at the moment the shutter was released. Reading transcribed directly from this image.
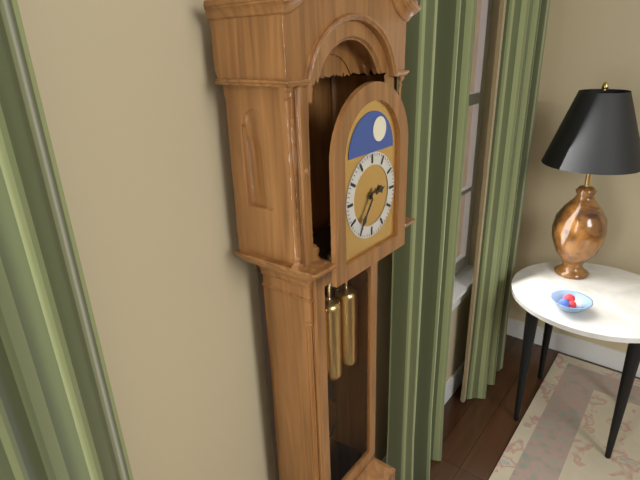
2:36
